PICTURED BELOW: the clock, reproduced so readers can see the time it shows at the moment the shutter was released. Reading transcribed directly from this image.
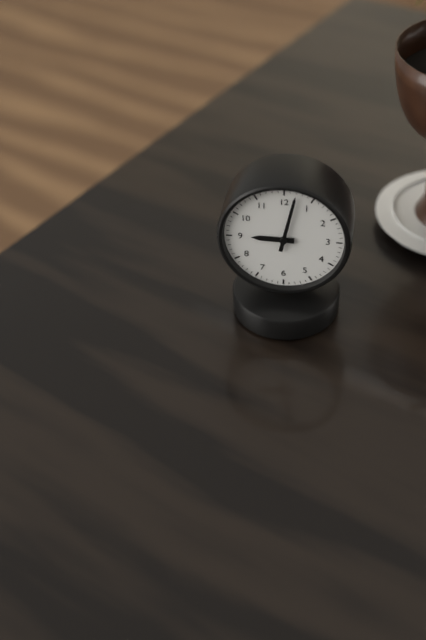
9:02
